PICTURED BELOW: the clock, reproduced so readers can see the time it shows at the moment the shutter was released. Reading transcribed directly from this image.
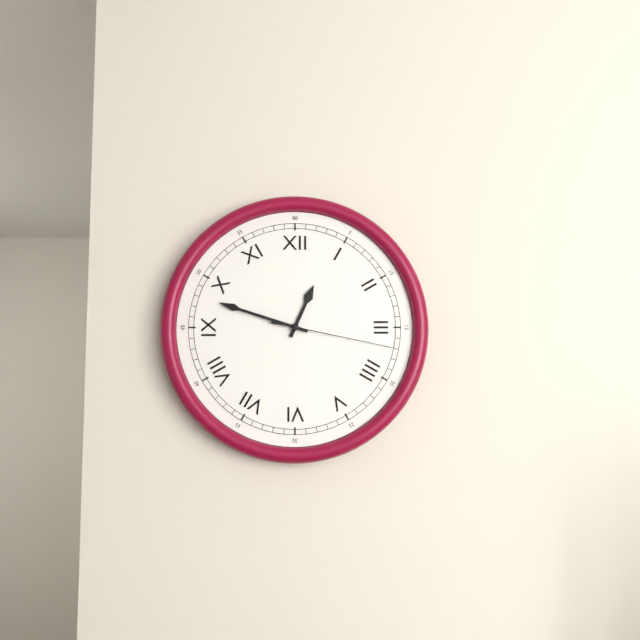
12:48:17
